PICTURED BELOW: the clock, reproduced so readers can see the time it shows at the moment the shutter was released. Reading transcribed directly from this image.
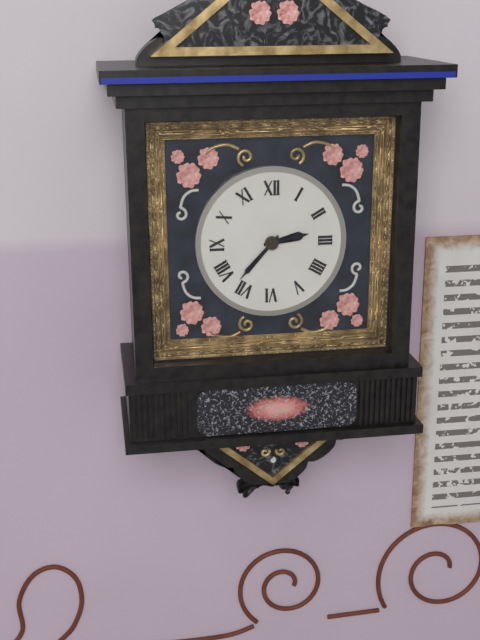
2:37
